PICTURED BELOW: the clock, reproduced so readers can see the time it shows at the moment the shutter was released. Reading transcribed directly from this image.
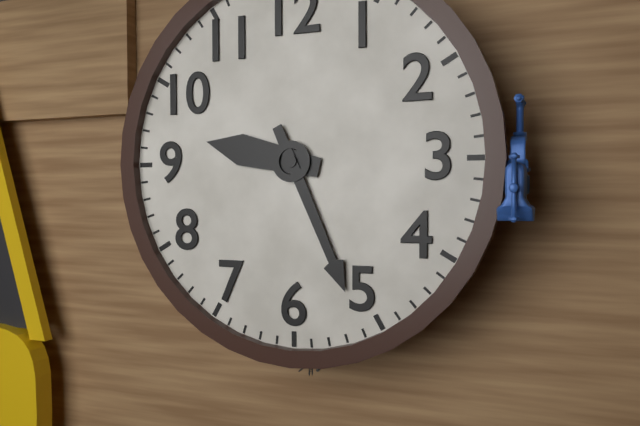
9:26
